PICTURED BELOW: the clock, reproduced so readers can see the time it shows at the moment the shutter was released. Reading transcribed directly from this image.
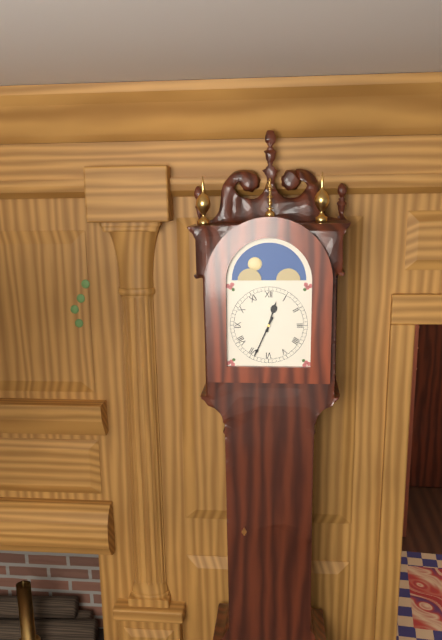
12:34
